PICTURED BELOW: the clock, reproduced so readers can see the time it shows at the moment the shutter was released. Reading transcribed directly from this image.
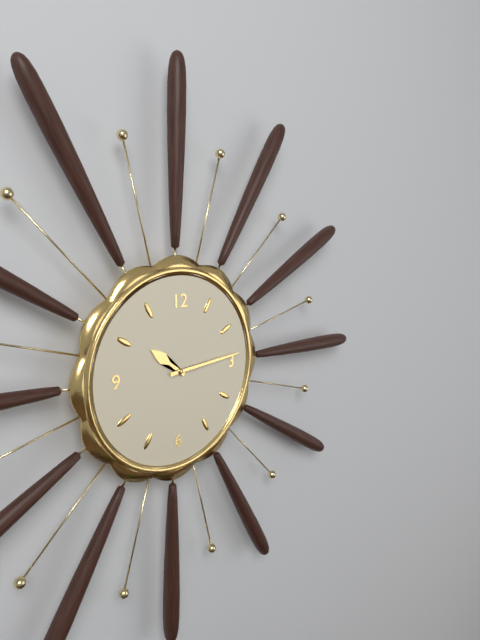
10:14
